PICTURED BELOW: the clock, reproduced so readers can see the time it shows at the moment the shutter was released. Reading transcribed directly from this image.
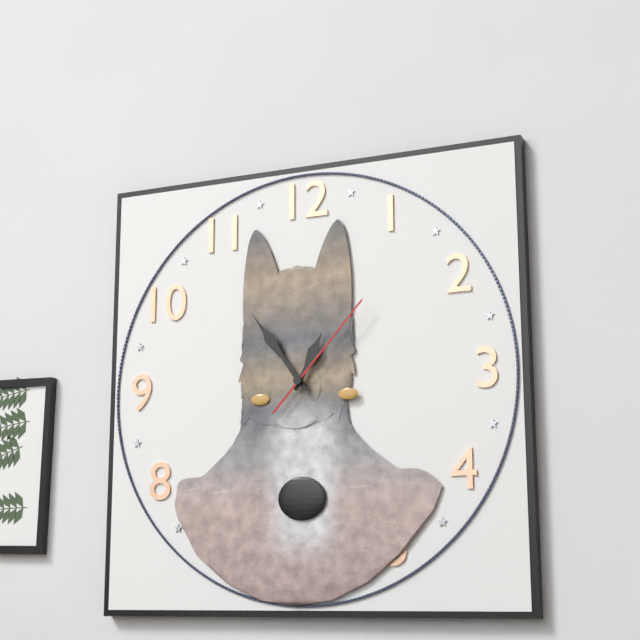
12:54:07
